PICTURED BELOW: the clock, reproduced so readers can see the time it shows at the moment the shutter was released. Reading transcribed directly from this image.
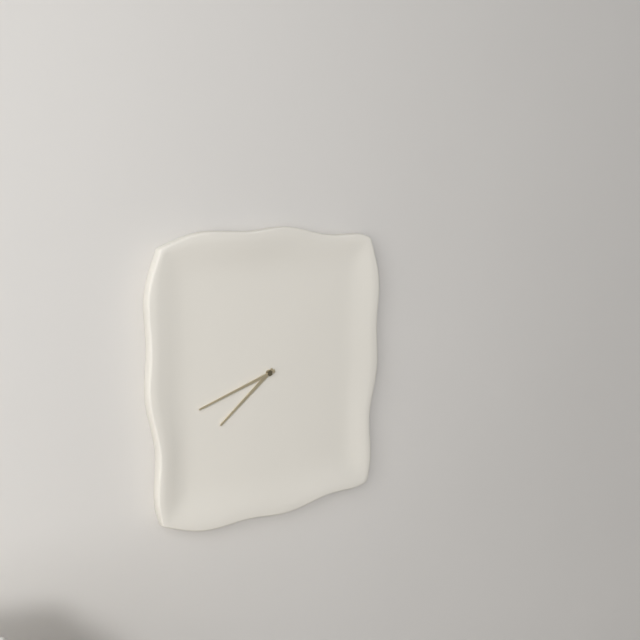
7:42
